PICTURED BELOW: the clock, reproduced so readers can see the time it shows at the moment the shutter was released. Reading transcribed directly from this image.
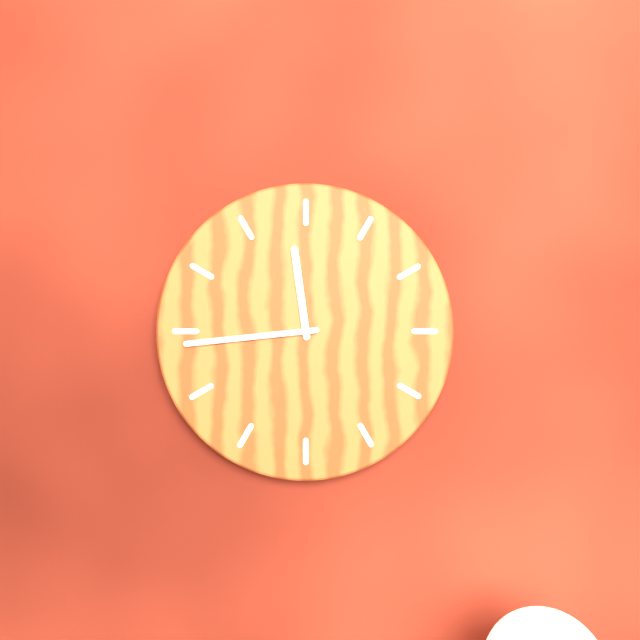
11:44
